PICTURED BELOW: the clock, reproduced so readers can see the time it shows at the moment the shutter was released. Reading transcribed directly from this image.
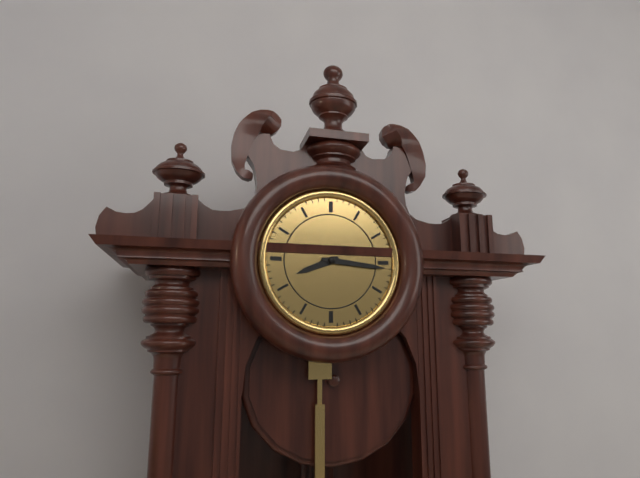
8:16
